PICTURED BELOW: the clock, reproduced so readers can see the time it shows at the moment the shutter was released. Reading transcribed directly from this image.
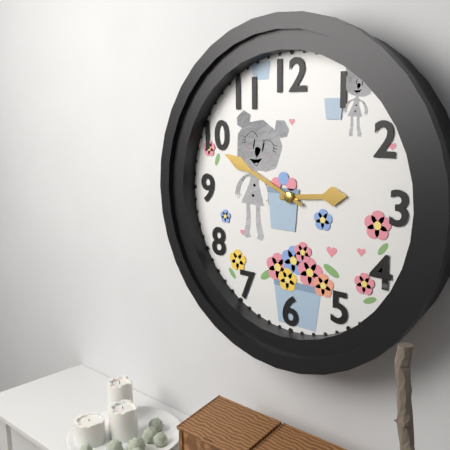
2:49
